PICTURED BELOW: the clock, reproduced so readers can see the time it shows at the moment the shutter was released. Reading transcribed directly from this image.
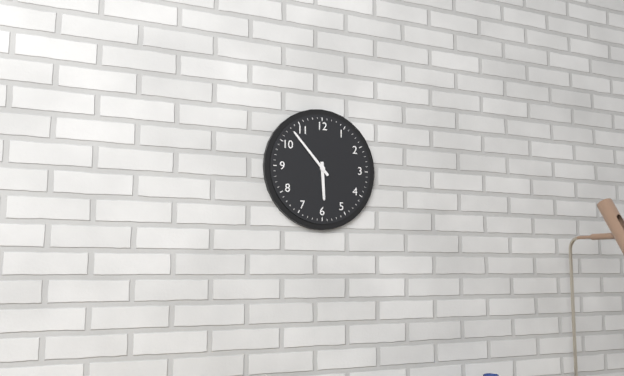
5:53
